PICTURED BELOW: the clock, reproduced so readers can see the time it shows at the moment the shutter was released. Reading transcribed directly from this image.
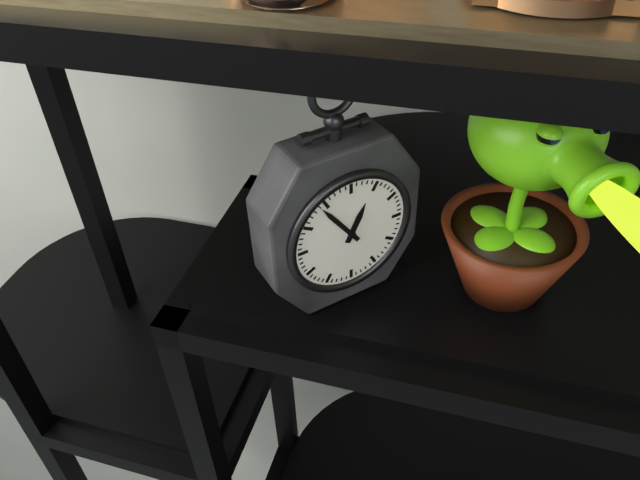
12:54
